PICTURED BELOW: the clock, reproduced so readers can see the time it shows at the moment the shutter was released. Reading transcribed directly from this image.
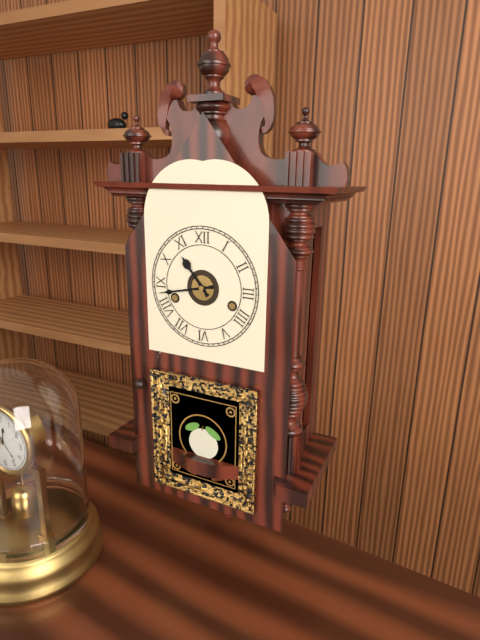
10:43
